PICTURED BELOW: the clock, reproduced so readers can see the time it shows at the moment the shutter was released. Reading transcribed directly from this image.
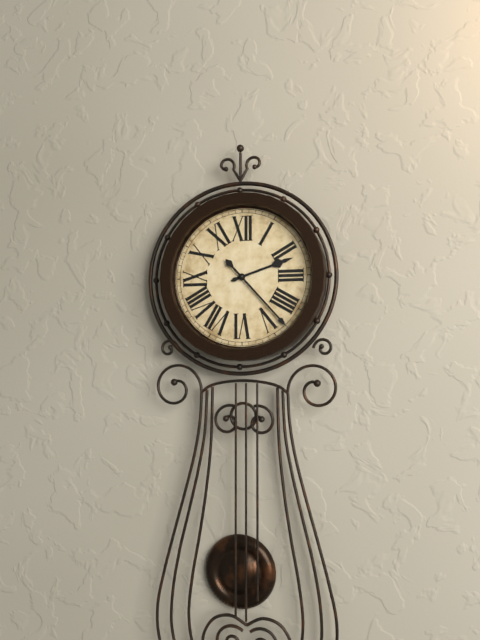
2:23
